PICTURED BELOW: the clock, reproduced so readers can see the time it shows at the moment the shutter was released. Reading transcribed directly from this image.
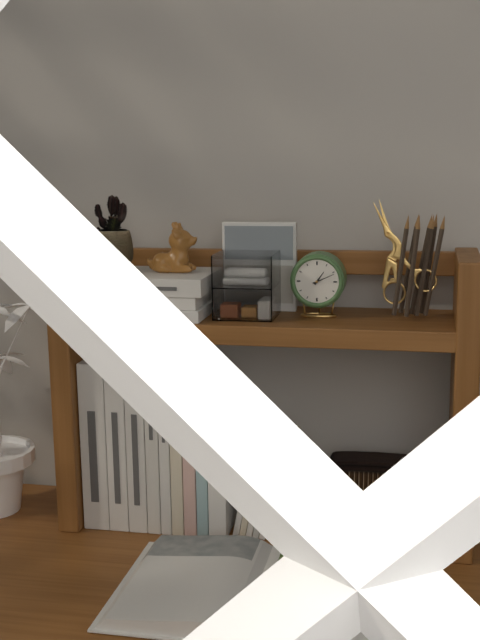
1:11
